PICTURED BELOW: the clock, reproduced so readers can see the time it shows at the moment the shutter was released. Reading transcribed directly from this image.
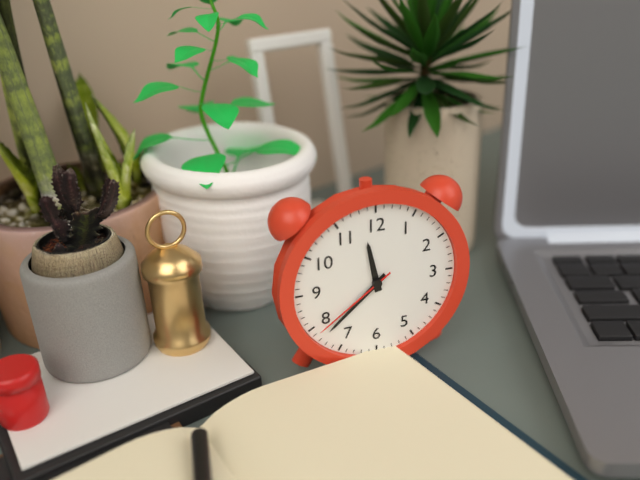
11:38:39
